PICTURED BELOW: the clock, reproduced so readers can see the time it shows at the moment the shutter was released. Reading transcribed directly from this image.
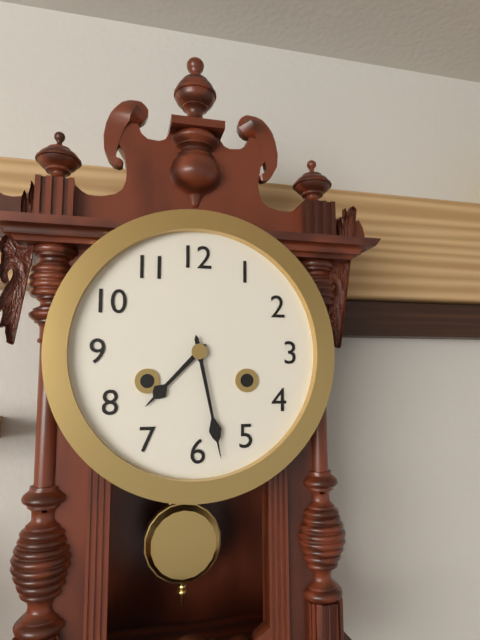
7:28
